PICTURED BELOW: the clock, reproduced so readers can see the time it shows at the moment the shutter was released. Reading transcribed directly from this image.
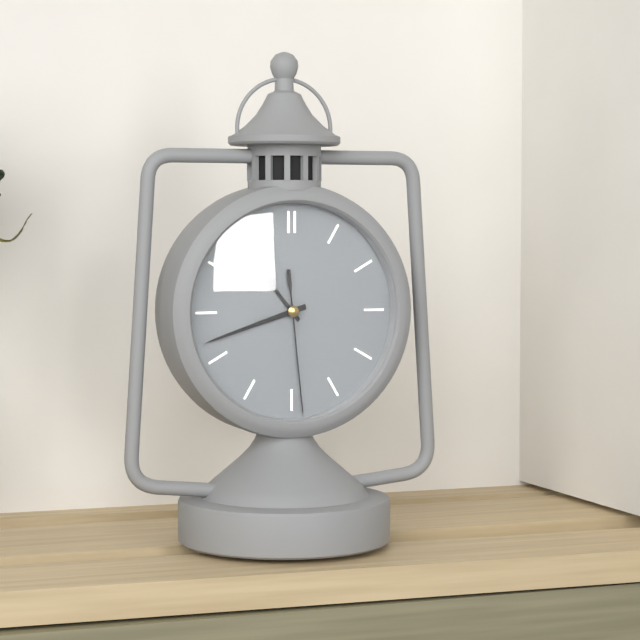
10:42:29
